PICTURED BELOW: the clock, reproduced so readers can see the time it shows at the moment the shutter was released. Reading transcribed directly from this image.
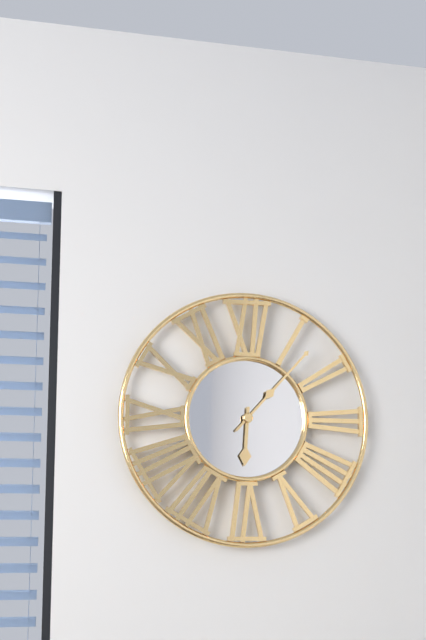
6:07
